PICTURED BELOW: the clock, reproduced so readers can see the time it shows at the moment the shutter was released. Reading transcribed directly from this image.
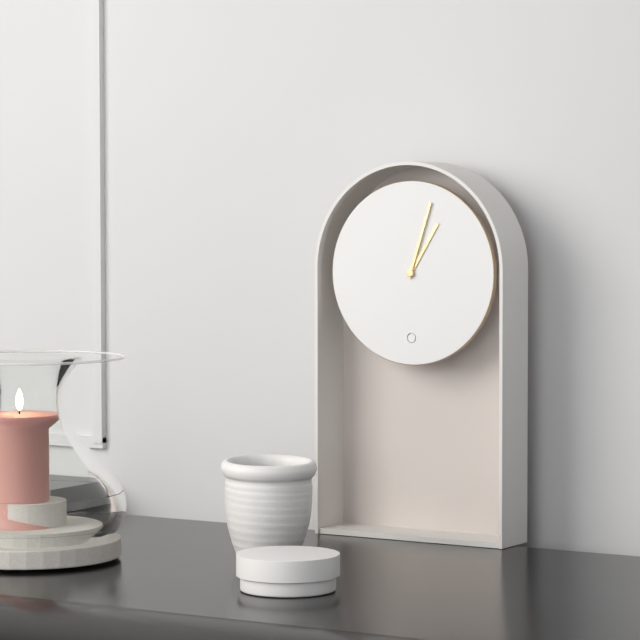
1:03
